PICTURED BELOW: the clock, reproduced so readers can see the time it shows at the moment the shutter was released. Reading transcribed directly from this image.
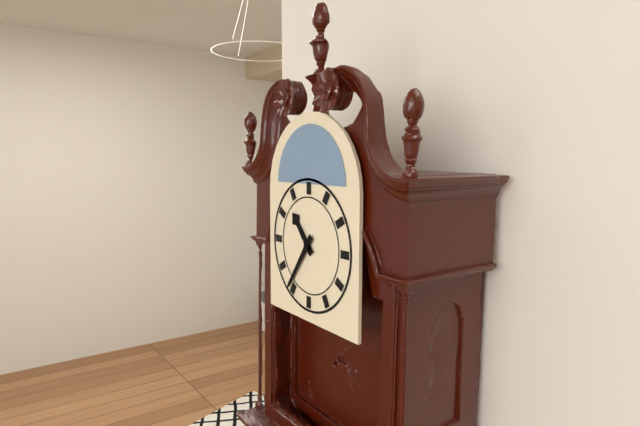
10:36
